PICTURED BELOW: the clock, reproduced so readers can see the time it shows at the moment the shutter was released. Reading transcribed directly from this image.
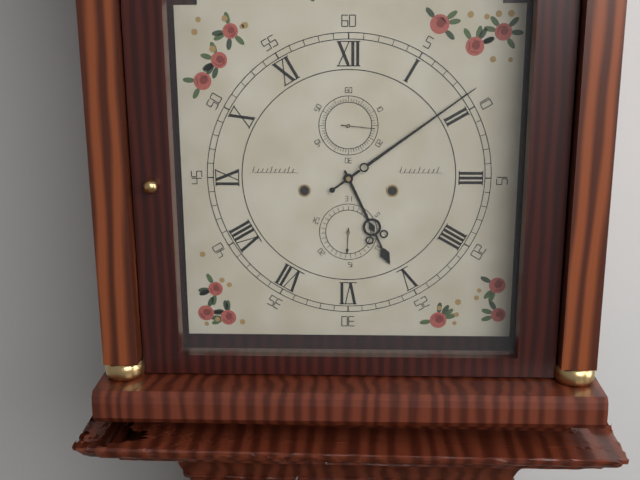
5:09
